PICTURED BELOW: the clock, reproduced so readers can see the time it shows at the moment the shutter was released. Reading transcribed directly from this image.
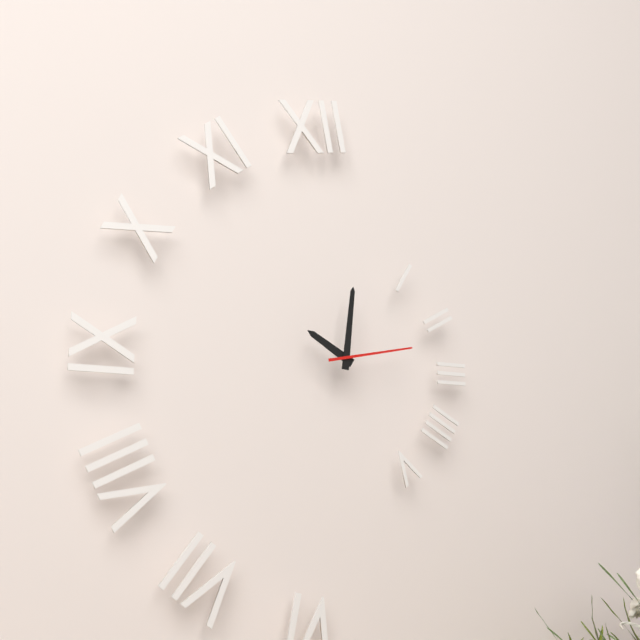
10:01:13
